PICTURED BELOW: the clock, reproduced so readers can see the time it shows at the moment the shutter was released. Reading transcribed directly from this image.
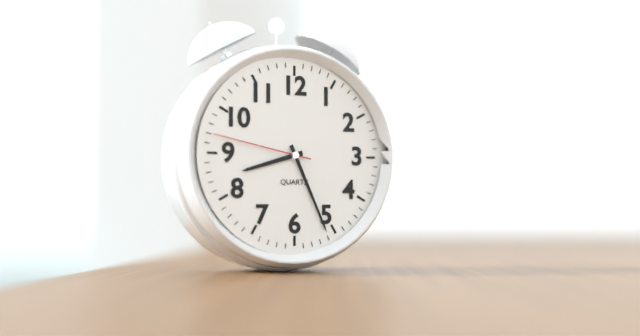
8:26:47
